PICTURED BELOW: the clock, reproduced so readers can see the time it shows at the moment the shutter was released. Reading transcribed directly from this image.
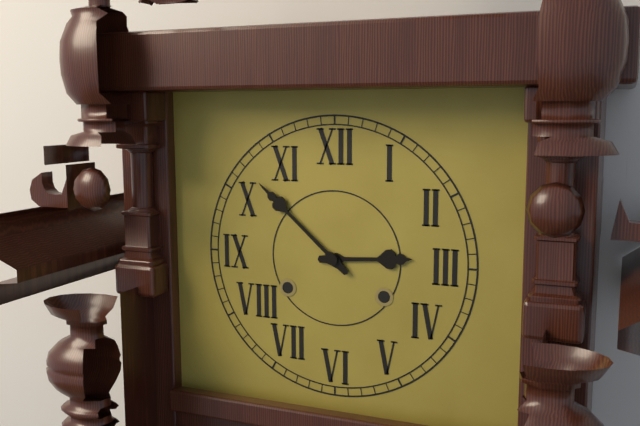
2:52
